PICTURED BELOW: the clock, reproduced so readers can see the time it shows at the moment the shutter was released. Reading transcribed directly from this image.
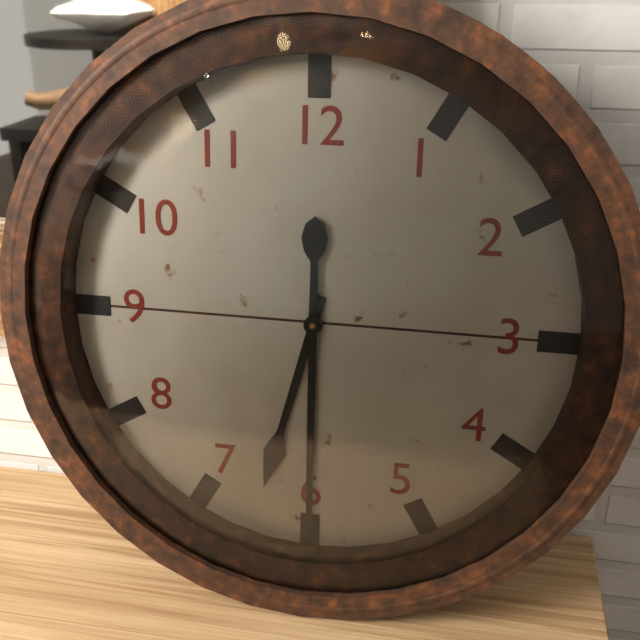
6:30
